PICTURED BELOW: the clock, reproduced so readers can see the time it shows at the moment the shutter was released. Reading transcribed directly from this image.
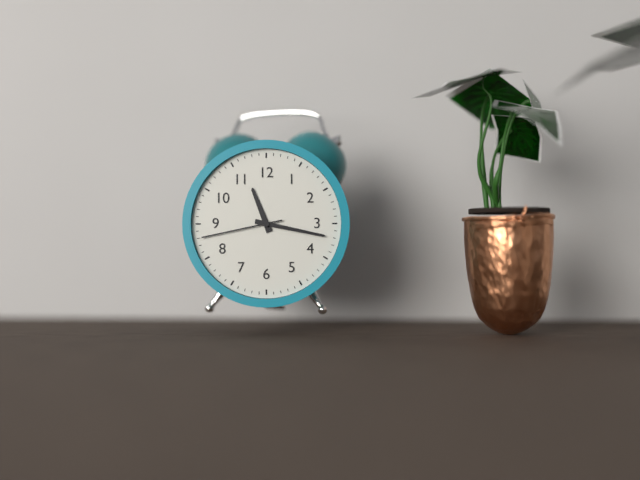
11:17:43
